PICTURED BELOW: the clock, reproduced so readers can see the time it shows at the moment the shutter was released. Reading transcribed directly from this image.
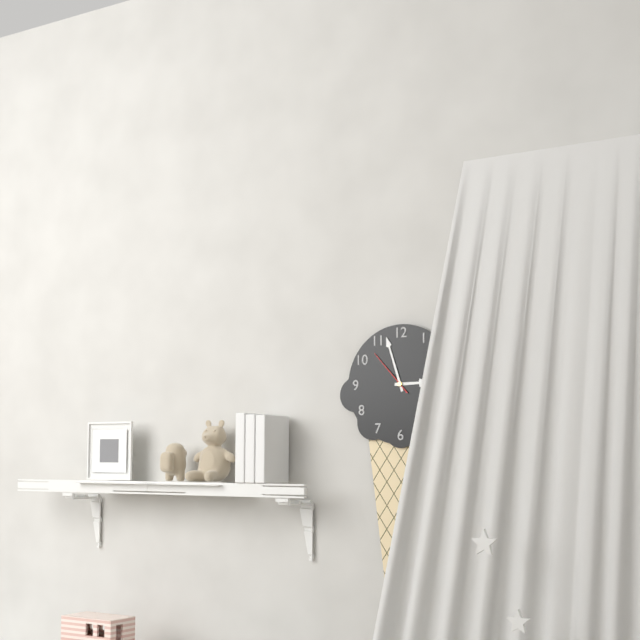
2:57:53
